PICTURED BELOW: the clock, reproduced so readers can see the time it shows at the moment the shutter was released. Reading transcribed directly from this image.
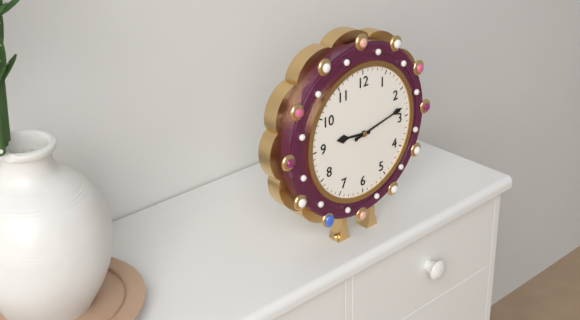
9:13
